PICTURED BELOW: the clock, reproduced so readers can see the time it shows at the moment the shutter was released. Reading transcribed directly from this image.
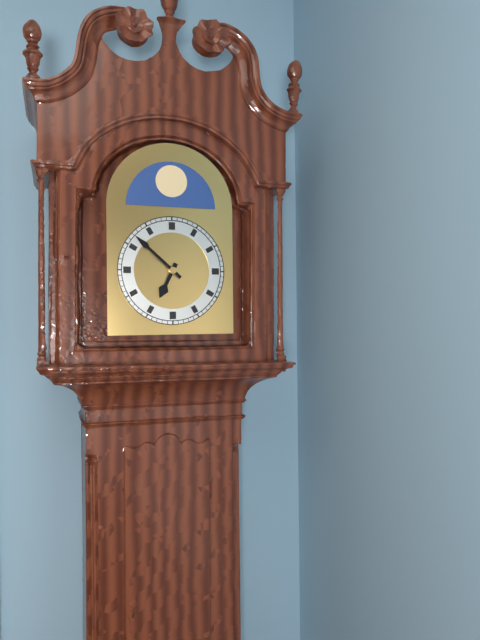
6:52
